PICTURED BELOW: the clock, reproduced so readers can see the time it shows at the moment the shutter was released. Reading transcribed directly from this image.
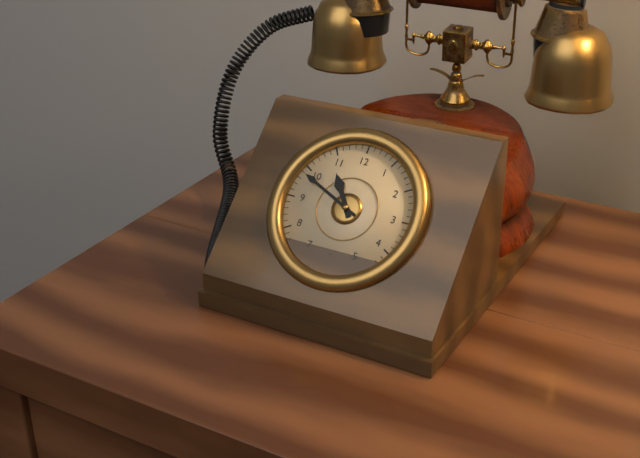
10:49
